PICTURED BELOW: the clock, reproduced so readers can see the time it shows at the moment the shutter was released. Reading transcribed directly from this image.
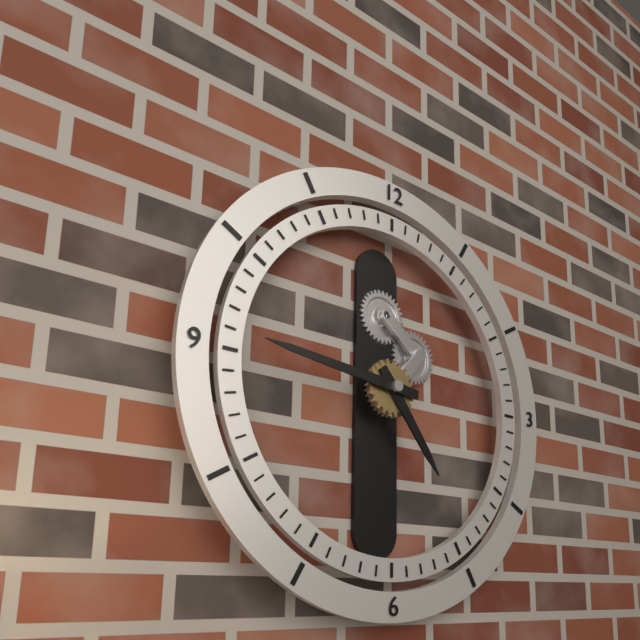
4:46
